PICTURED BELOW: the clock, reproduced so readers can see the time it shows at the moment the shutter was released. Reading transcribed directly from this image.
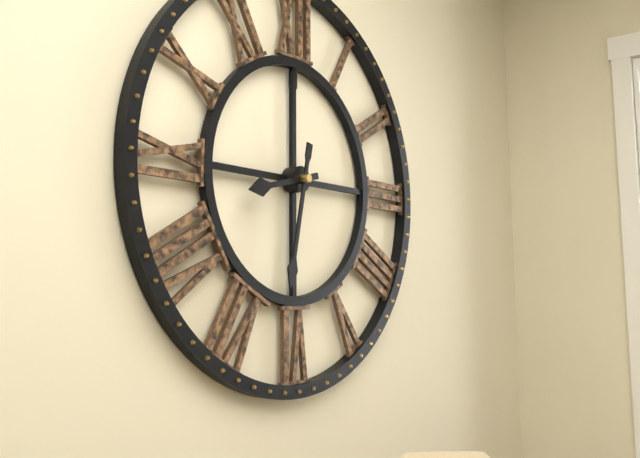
8:32
